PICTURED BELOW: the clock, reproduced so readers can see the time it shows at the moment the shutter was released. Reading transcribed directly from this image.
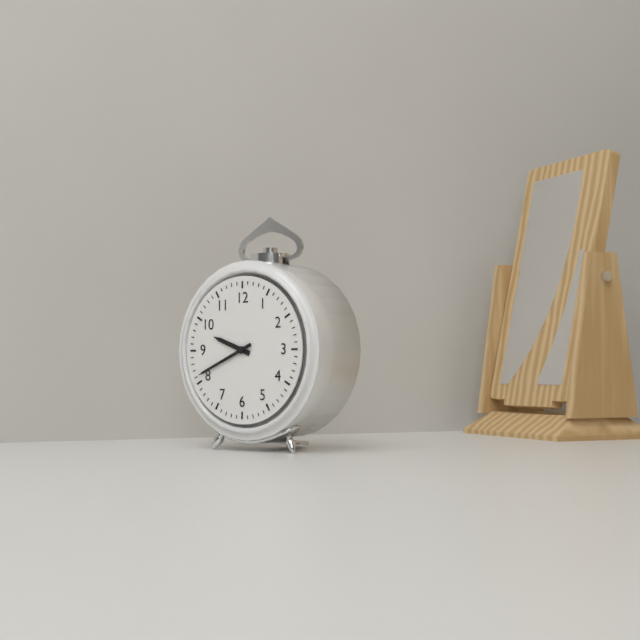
9:41
